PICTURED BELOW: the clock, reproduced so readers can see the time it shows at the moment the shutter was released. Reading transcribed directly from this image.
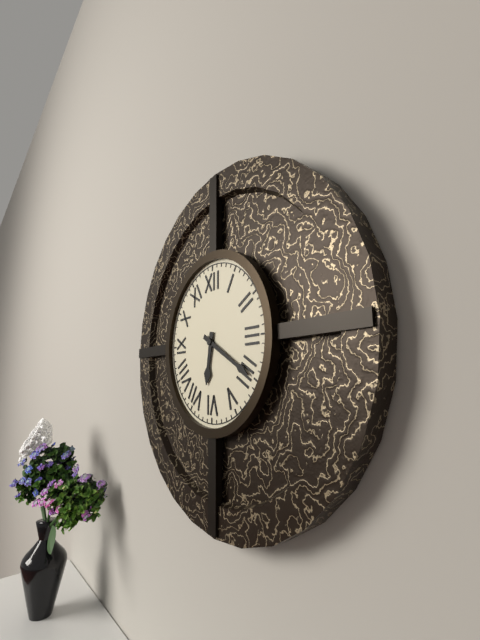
6:20
